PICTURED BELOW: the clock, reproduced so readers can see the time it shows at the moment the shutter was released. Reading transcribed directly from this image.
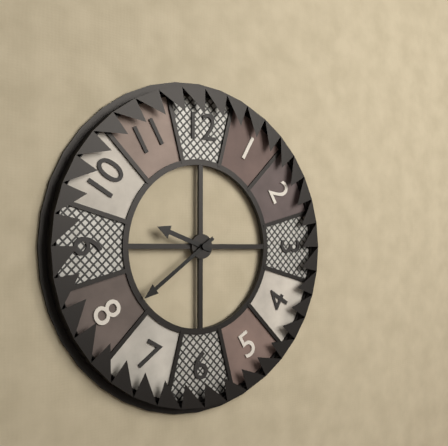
9:39
